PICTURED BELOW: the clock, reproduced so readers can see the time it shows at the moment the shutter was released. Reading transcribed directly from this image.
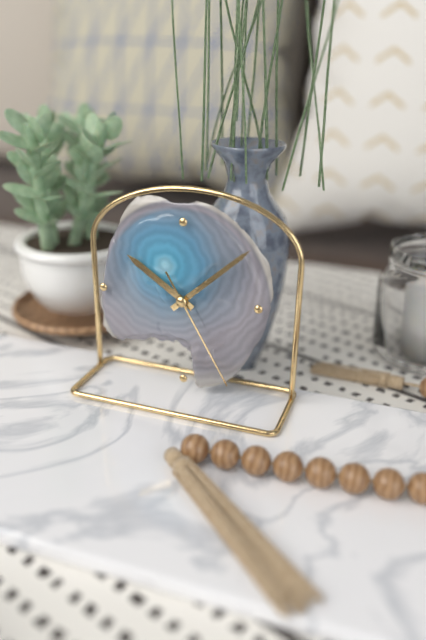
10:08:25
